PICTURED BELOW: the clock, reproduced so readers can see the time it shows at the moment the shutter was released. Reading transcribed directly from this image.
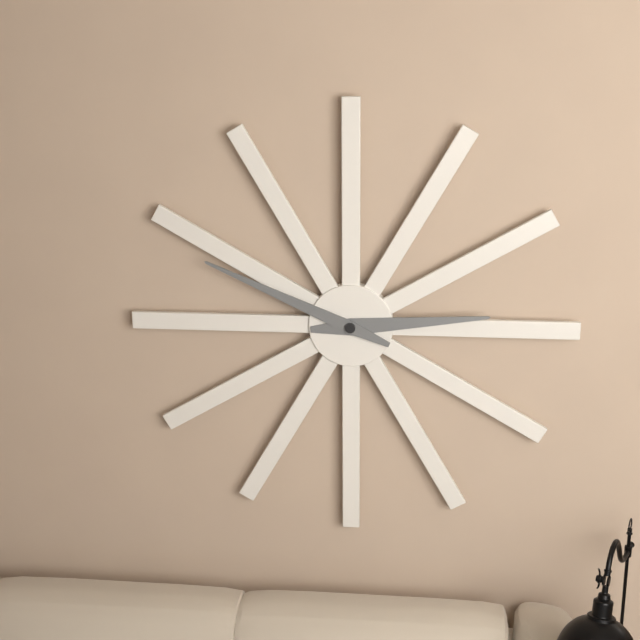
2:49
